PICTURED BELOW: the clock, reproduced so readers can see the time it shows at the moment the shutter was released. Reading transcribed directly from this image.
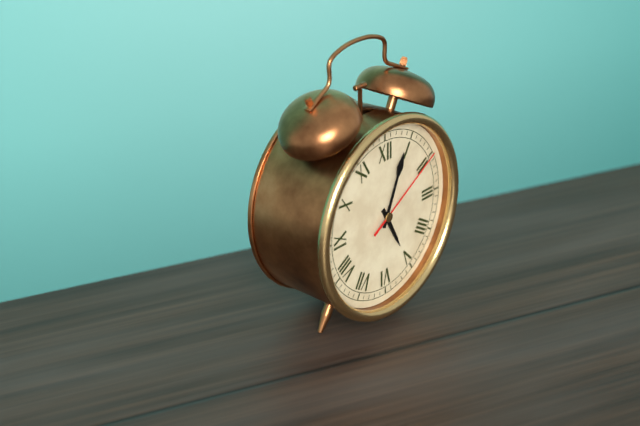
5:04:10
